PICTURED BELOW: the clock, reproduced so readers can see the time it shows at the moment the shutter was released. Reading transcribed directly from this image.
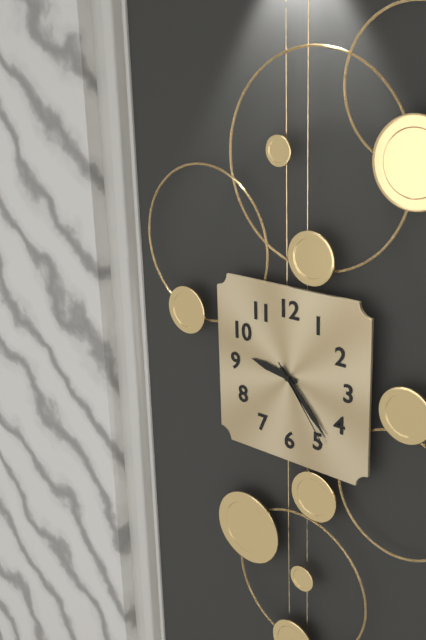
9:23:24
